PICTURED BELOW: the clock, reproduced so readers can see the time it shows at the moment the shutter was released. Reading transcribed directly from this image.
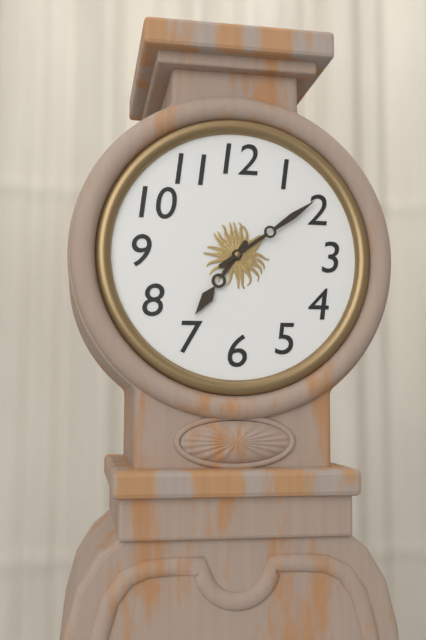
7:09
